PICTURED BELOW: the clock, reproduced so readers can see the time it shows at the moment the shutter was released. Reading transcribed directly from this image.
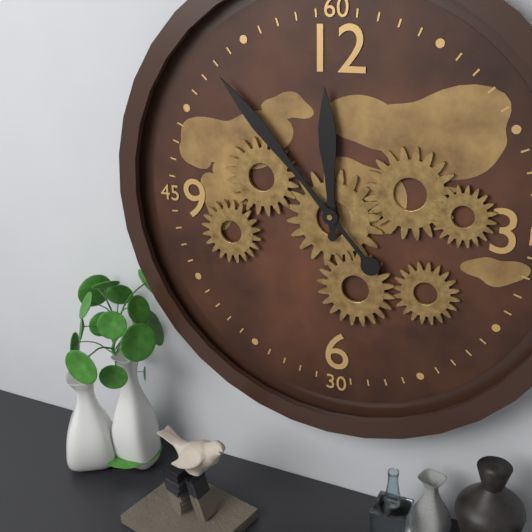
11:53
